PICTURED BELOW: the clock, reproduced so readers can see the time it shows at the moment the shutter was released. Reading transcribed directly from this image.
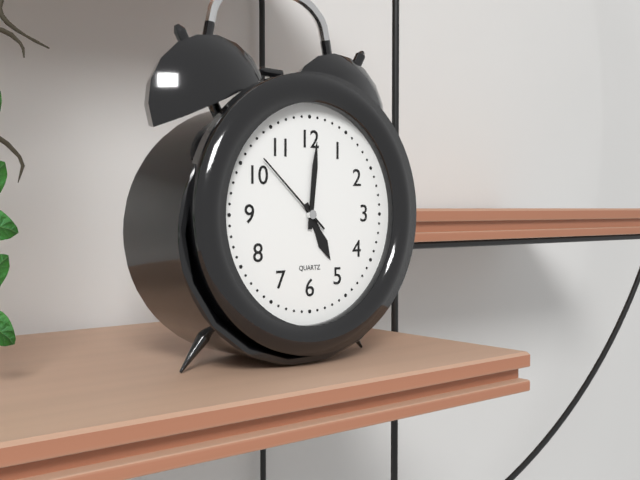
5:01:52
